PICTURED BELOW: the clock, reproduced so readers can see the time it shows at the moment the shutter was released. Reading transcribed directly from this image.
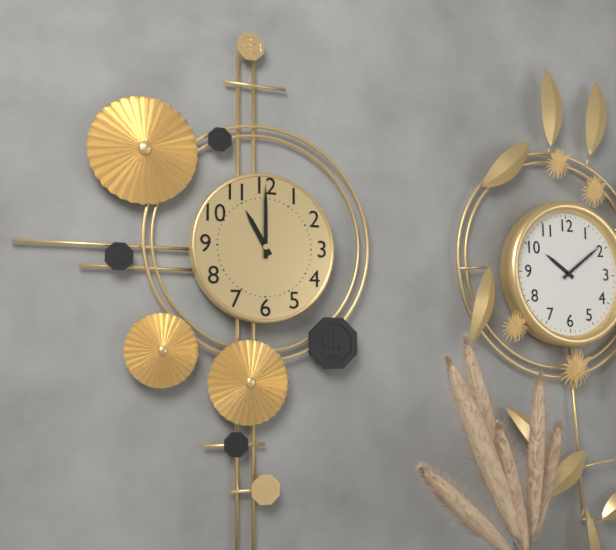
11:00
